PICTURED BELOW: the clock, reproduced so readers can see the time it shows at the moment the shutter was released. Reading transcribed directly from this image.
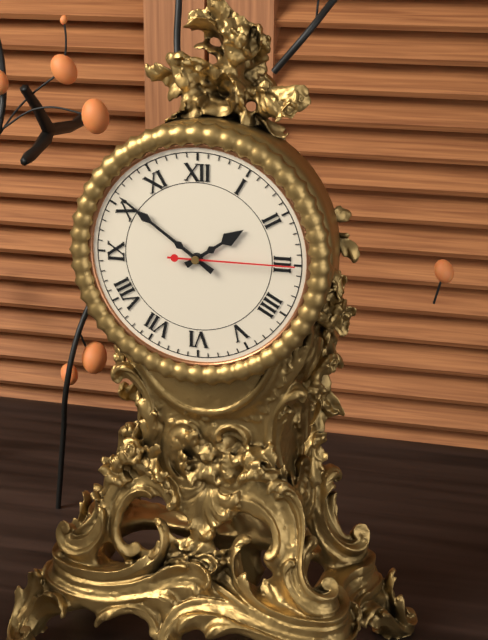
1:51:15
